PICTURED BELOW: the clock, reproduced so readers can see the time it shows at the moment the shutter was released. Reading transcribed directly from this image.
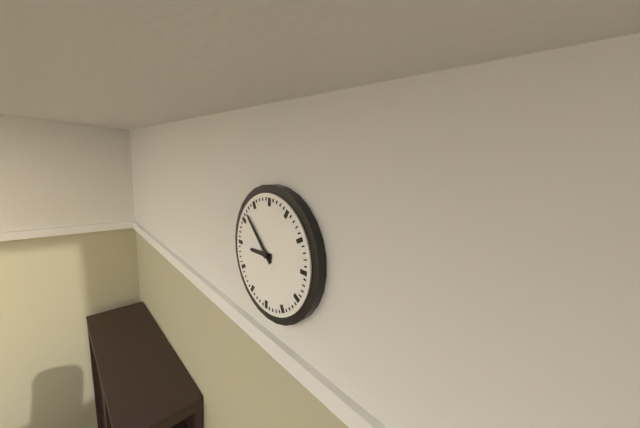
8:52
